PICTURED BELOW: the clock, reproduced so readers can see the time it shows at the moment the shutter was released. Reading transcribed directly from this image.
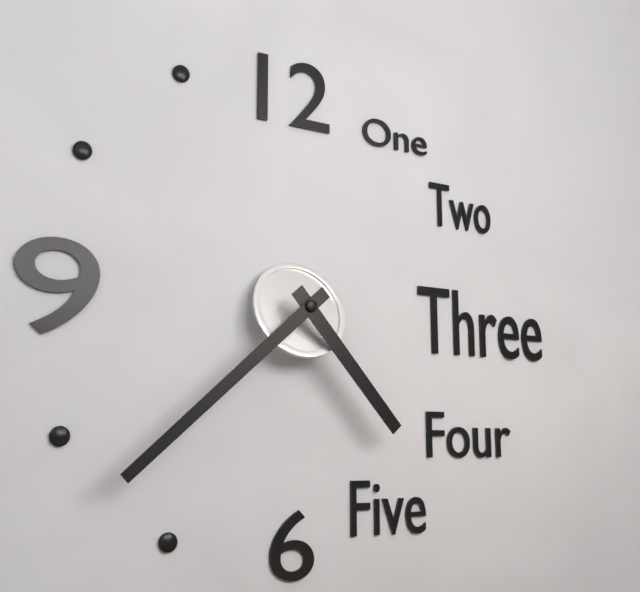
4:38
